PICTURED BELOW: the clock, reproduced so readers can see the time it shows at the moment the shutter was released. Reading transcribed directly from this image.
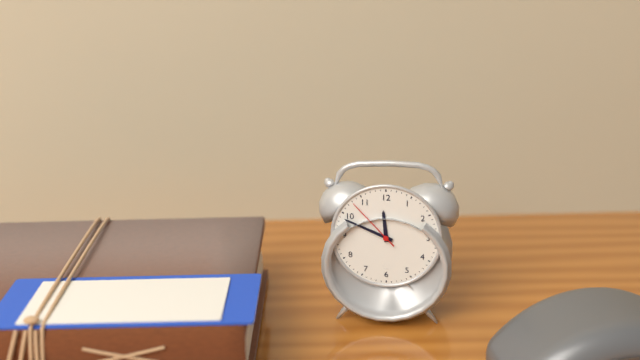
11:49:53
